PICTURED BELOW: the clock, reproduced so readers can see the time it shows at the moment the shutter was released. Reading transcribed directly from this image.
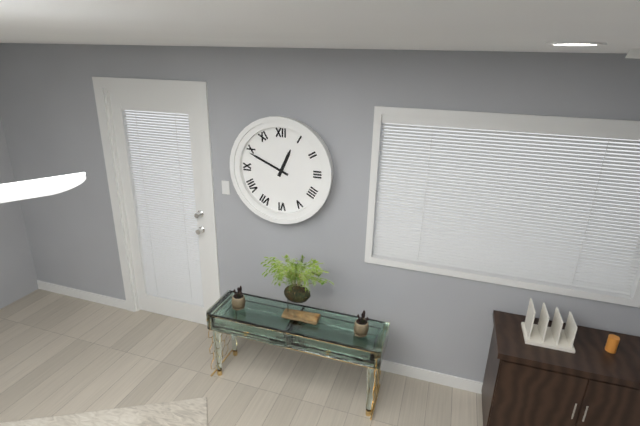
12:49
